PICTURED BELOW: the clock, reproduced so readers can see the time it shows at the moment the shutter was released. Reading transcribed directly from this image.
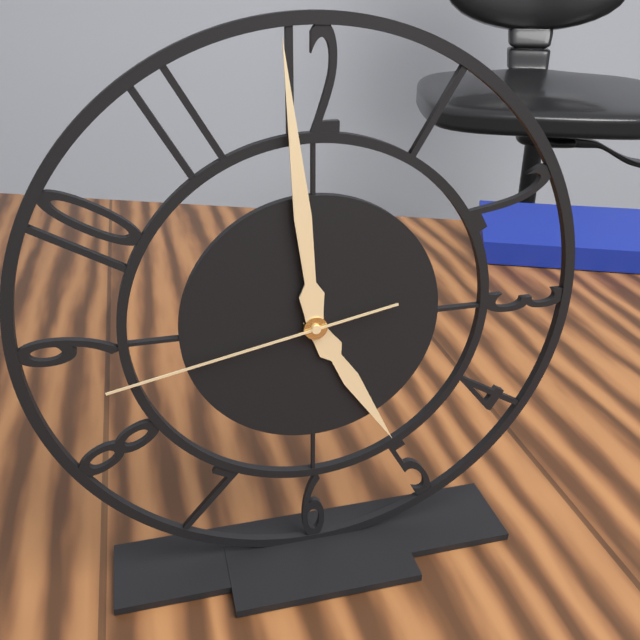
4:59:43
